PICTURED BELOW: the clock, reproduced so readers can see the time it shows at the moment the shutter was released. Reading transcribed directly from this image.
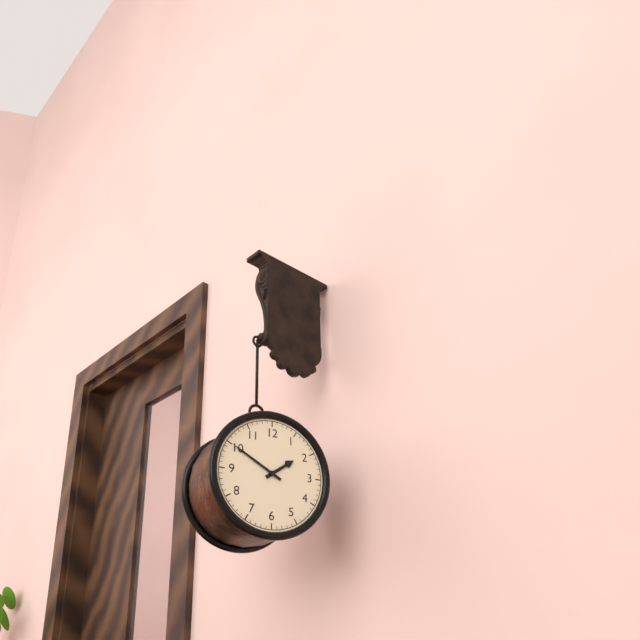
1:50
